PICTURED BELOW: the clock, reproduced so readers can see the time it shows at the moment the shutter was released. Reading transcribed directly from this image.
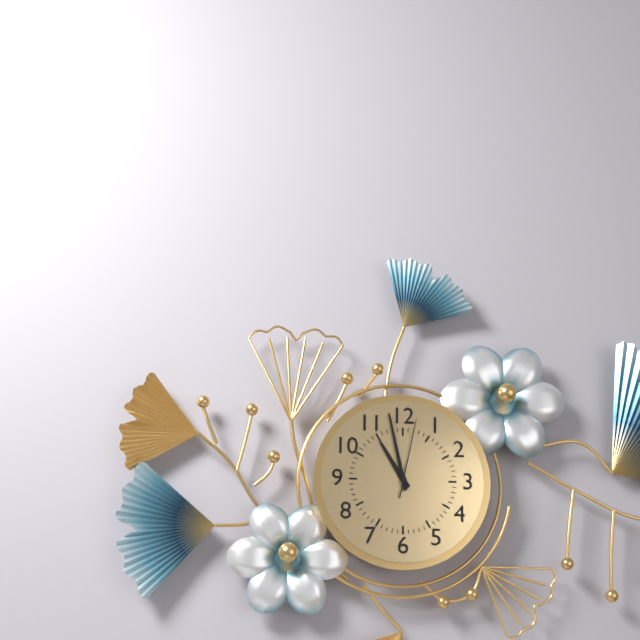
10:58:02
